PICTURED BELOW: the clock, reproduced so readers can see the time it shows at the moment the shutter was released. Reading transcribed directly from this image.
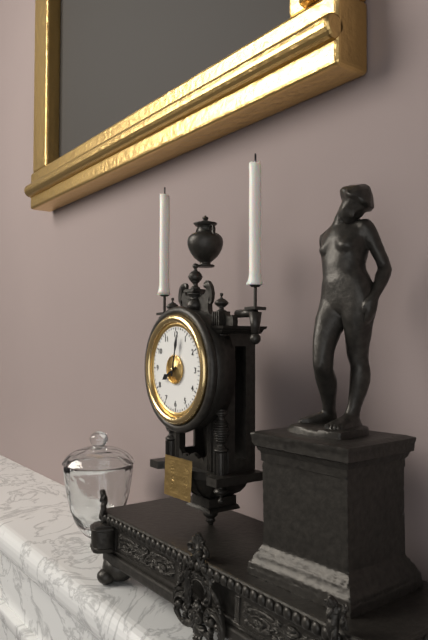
8:02
